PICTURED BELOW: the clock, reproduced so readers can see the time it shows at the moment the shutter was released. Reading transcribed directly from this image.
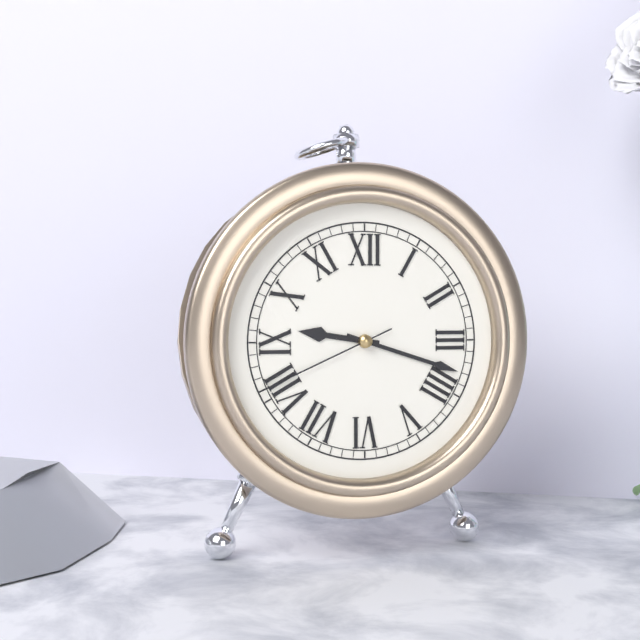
9:18:41
